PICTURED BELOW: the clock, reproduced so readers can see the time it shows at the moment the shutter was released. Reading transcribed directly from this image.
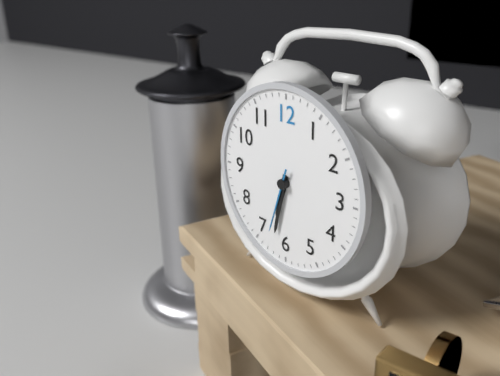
6:32:33
